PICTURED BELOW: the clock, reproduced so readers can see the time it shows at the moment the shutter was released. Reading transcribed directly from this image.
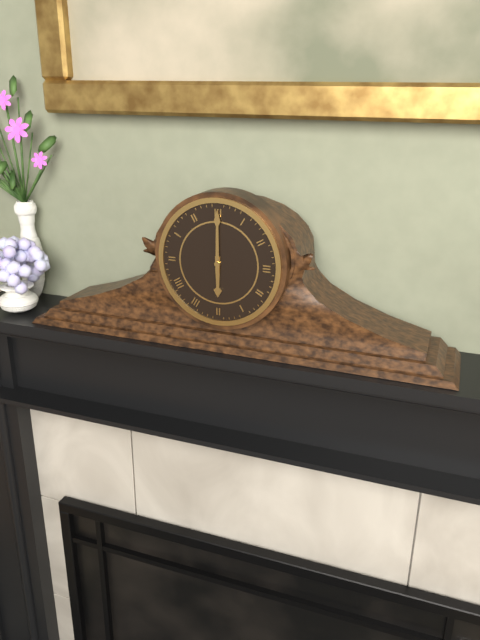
6:00
